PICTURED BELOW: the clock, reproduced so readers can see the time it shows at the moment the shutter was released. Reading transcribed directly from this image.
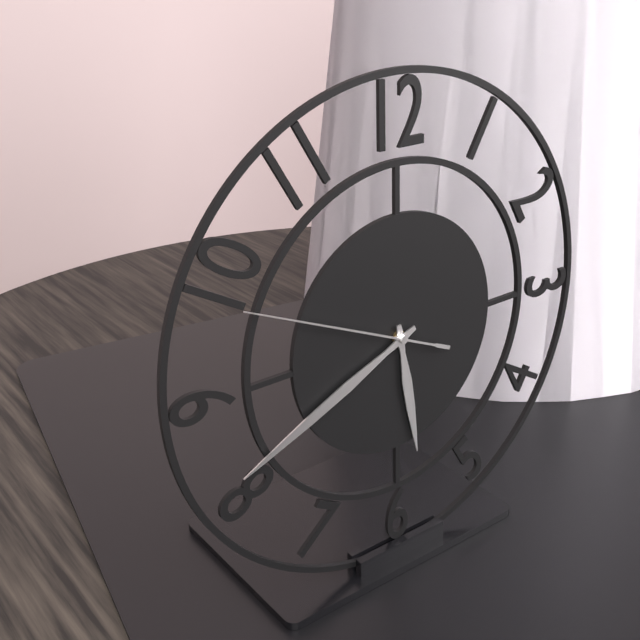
5:41:49
